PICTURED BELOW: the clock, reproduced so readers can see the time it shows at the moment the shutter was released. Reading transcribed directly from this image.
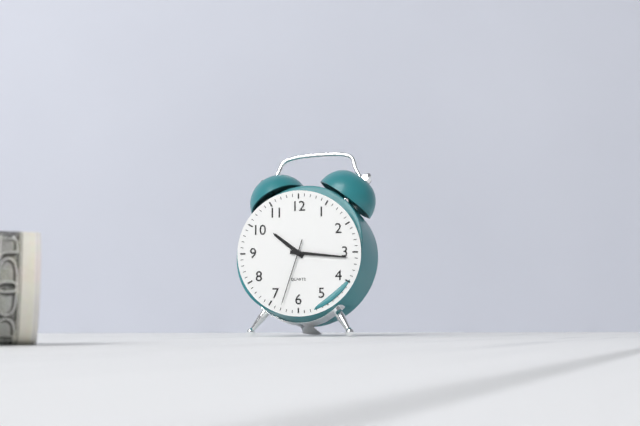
10:16:33
